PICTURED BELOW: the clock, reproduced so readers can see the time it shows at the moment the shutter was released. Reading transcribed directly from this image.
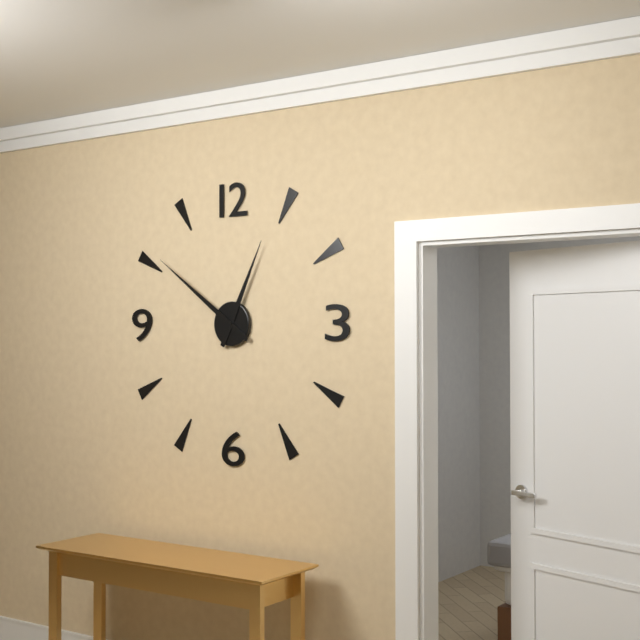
12:51
